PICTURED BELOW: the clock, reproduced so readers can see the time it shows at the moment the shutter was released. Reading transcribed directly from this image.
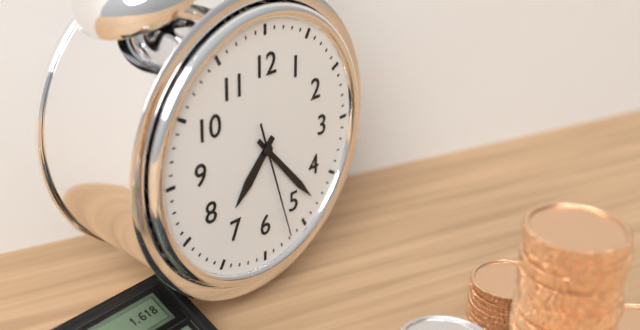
7:23:27
